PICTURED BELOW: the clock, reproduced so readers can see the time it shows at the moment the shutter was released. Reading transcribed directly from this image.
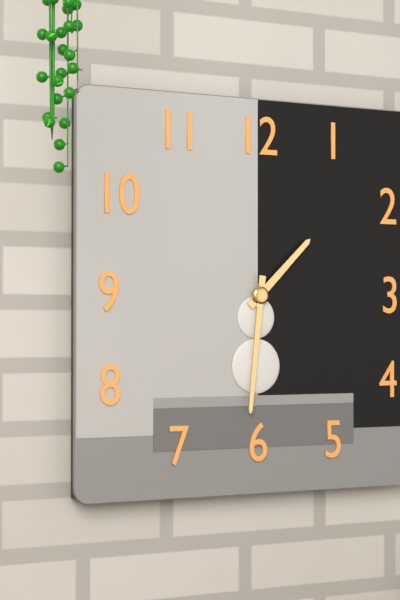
1:31
